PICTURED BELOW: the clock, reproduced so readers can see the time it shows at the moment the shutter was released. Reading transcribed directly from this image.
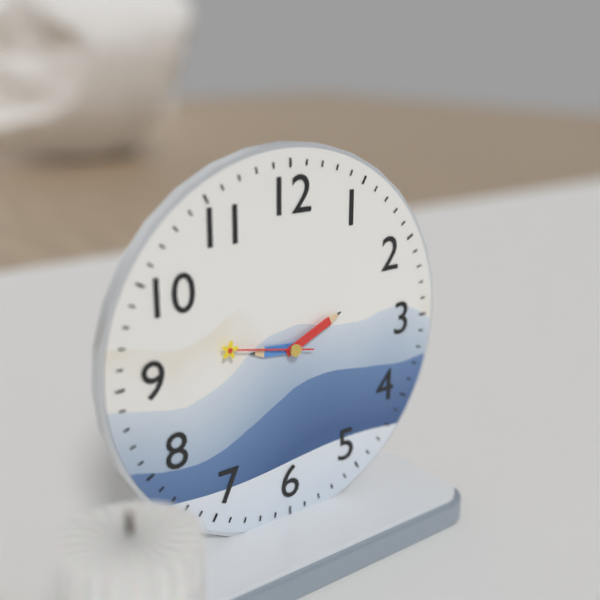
9:11:47
